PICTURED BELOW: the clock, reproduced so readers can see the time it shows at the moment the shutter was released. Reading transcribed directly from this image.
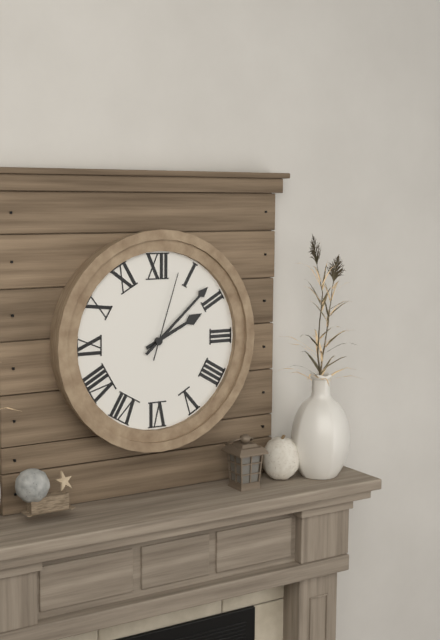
2:08:03
